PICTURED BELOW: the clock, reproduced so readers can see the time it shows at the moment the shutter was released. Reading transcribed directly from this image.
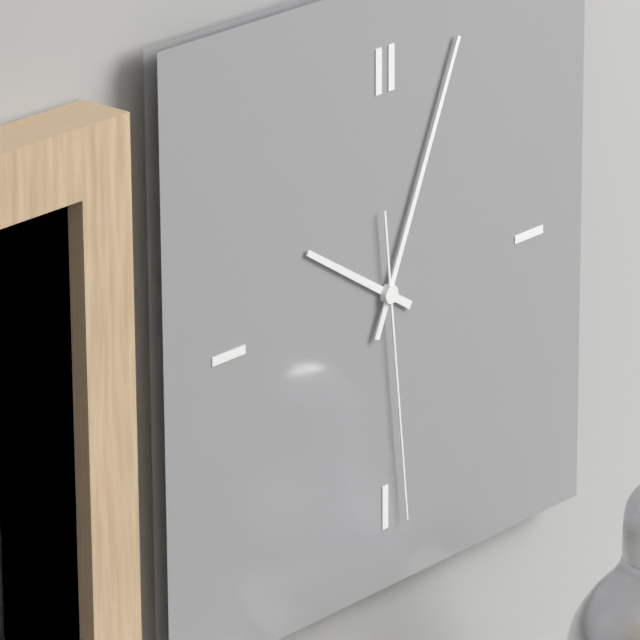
10:04:29
